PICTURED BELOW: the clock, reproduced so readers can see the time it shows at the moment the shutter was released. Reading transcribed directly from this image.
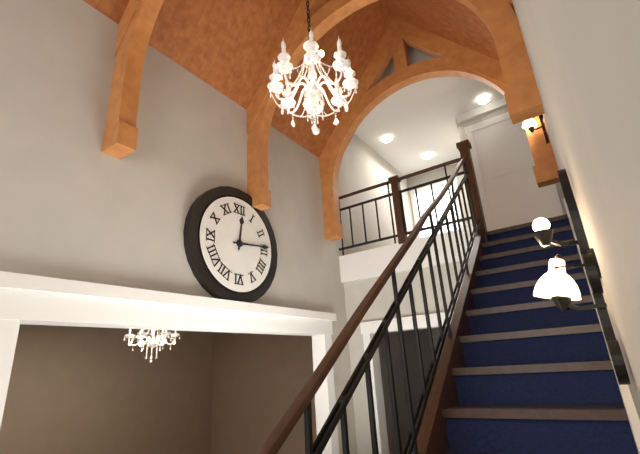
12:14
